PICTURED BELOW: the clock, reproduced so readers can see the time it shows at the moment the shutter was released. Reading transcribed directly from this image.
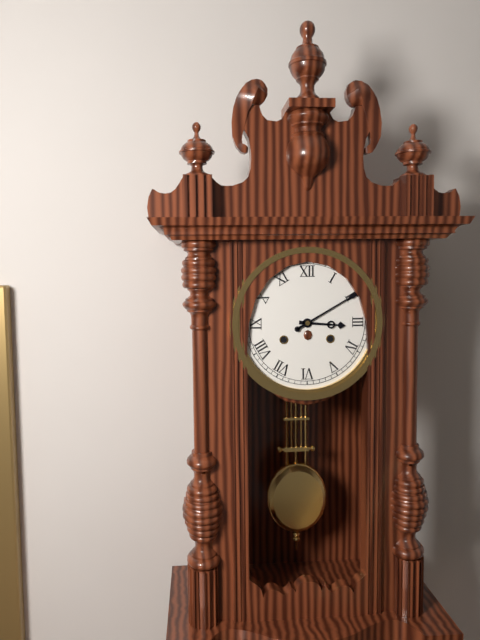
3:10
